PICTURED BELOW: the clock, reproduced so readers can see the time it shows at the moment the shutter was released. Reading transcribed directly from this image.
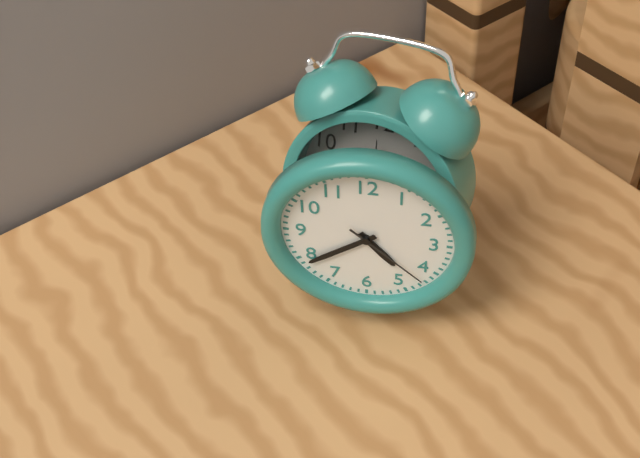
4:39:22
